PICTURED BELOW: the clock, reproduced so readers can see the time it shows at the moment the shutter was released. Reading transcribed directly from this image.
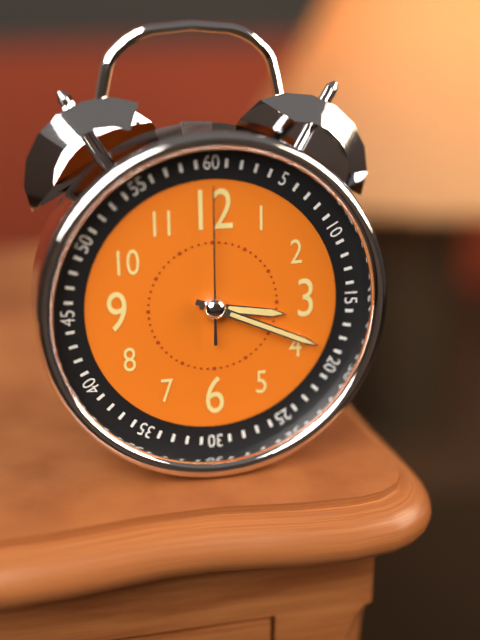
3:19:00
